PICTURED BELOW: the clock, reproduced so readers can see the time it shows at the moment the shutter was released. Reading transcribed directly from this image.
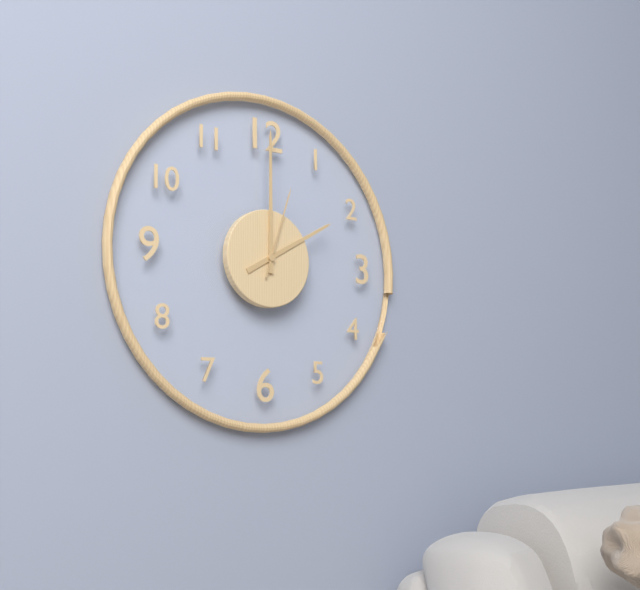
2:00:03
